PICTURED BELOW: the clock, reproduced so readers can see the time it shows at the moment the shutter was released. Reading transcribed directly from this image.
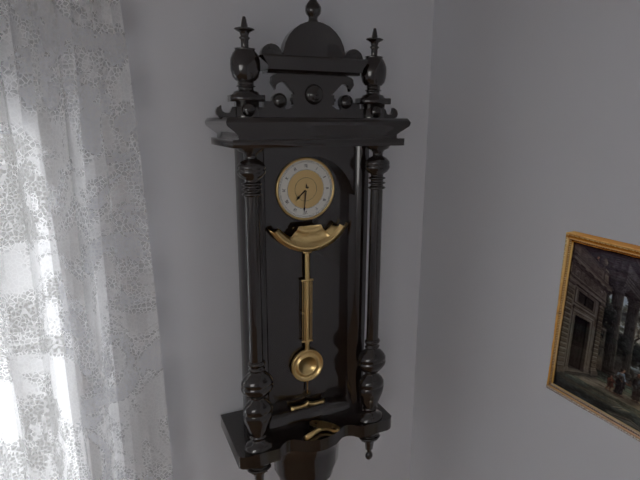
7:31
